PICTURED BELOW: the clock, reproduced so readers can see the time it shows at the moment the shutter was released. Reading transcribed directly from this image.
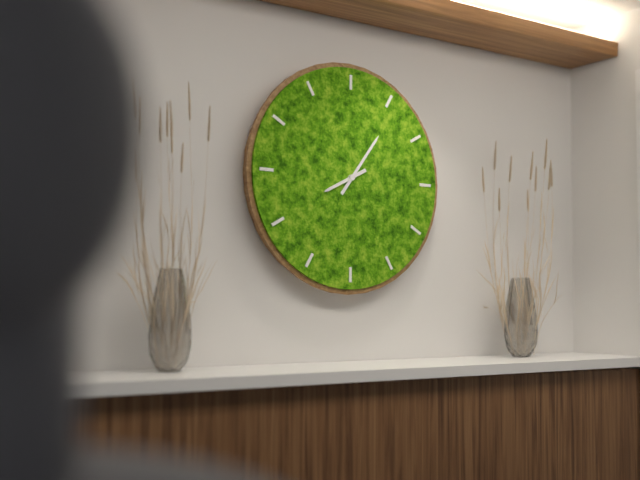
8:06
